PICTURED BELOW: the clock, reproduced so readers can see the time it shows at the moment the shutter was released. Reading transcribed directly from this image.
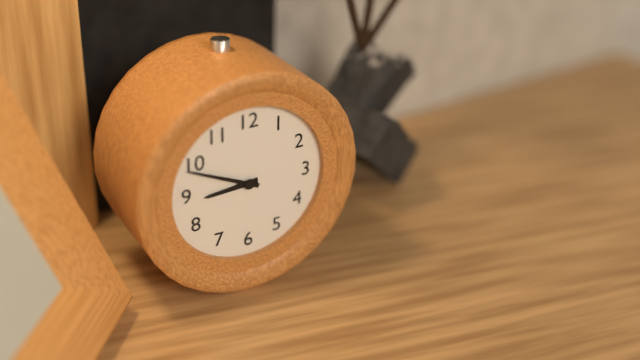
8:49
